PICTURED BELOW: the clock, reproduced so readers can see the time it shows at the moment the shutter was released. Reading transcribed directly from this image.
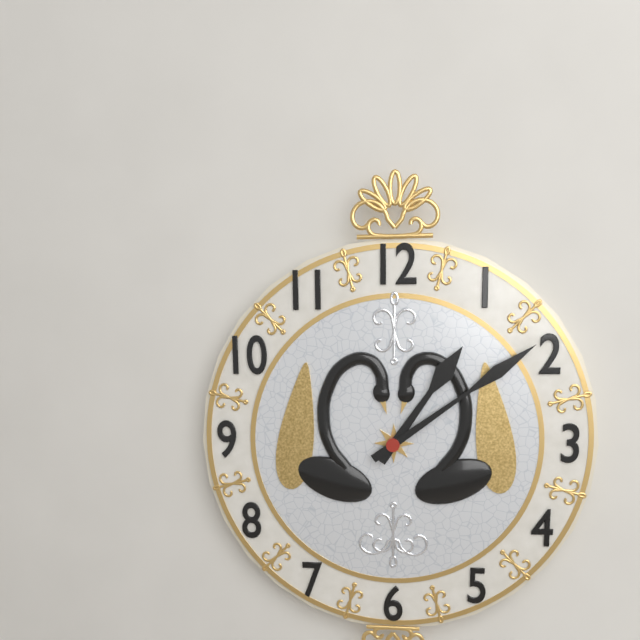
1:09
